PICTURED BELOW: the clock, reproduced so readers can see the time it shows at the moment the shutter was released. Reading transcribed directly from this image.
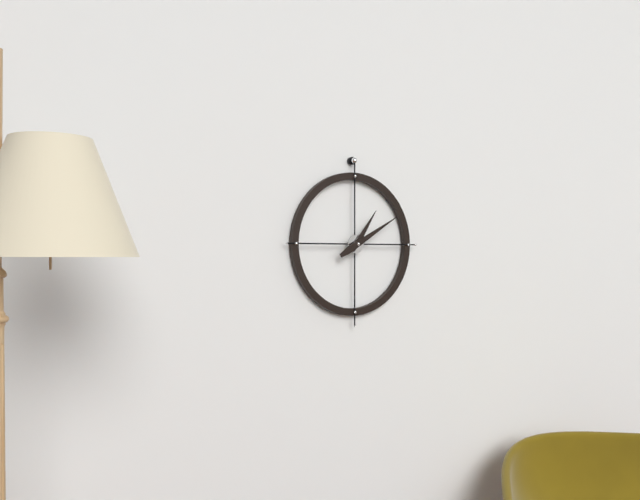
1:10
